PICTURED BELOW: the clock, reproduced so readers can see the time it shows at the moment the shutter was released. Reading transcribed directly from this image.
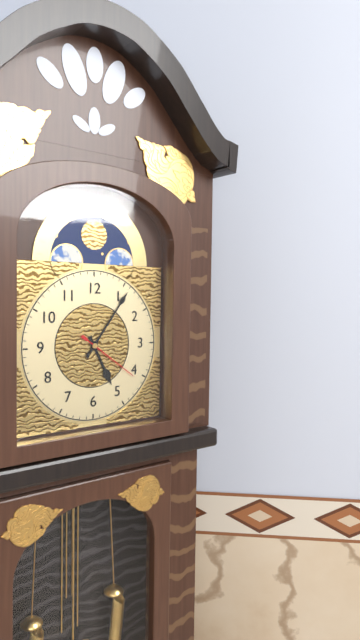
5:06:21
